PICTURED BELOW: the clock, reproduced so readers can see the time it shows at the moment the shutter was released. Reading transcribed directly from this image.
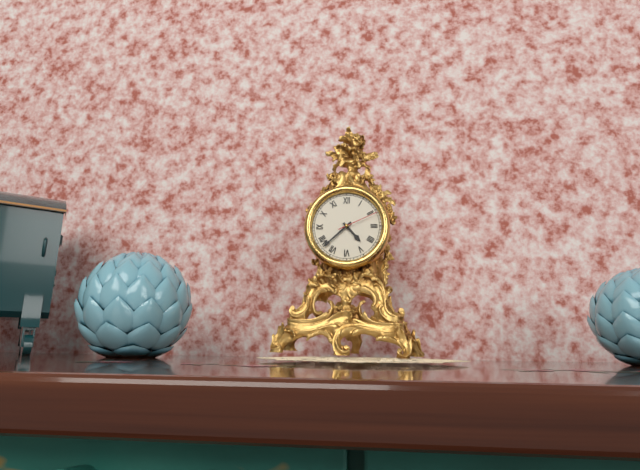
4:38
